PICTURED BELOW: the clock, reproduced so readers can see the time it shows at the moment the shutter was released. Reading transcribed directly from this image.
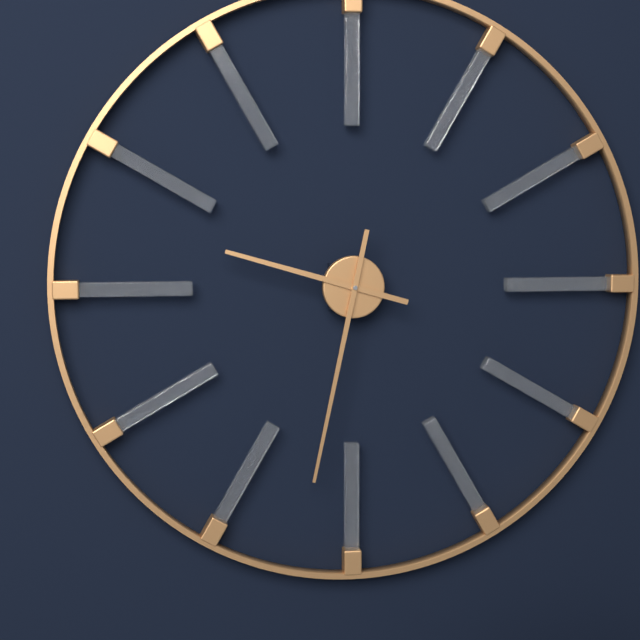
9:32
